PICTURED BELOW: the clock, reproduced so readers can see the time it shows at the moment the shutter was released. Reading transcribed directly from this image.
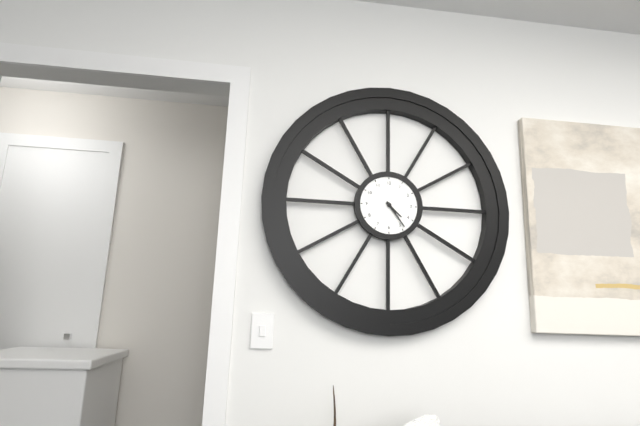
4:24
